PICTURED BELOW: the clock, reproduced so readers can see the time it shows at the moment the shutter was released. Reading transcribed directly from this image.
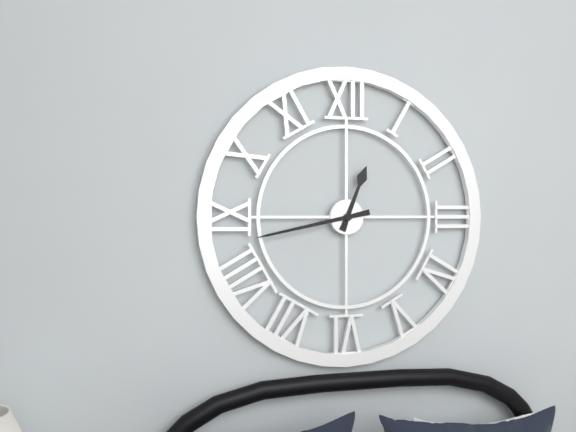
12:43
